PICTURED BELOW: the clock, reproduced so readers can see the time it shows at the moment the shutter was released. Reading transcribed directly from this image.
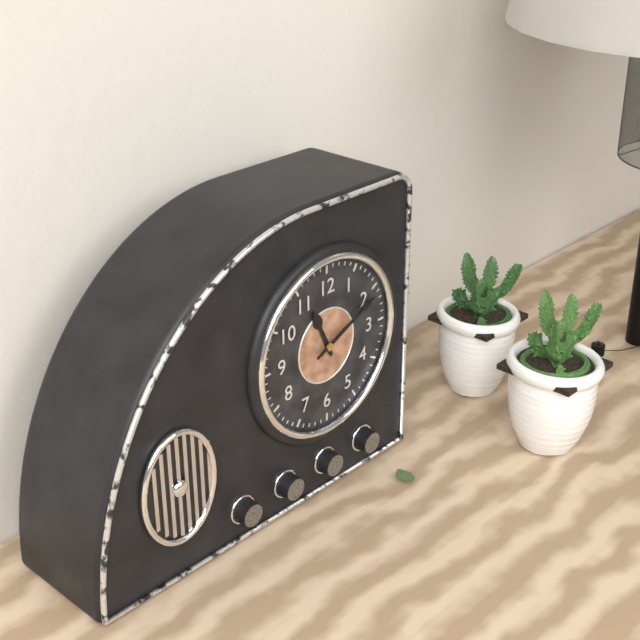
11:11
